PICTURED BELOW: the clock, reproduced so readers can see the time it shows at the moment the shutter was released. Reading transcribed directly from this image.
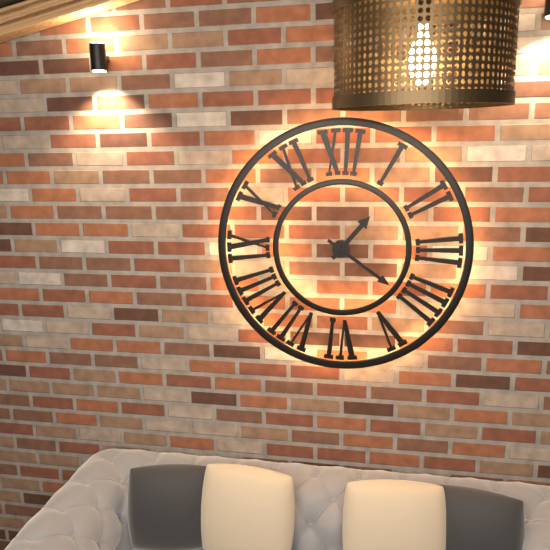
1:21
